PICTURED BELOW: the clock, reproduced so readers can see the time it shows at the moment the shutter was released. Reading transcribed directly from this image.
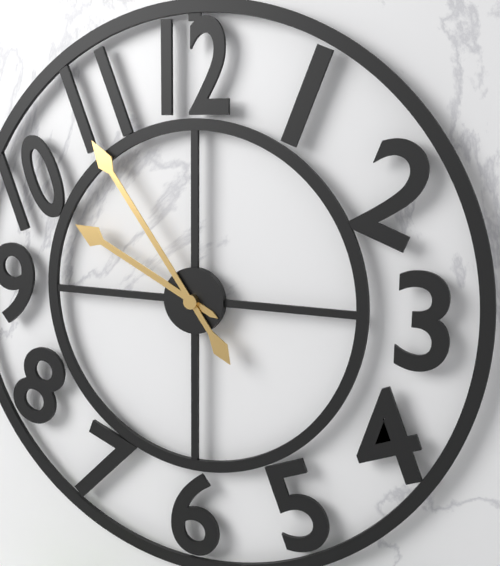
9:54
